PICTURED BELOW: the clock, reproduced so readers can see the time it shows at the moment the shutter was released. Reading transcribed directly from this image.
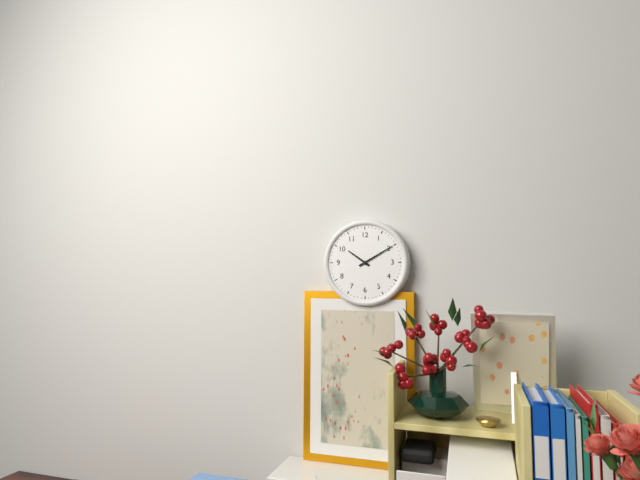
10:10
